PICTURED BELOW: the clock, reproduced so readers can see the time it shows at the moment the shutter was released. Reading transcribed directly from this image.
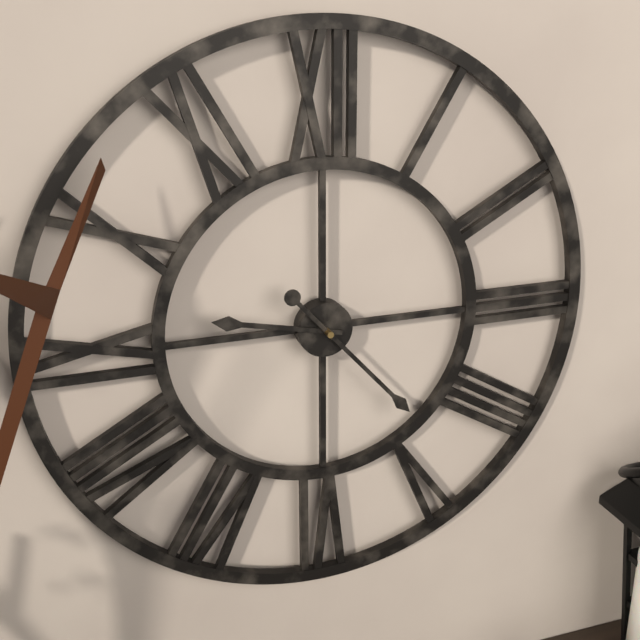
9:23
